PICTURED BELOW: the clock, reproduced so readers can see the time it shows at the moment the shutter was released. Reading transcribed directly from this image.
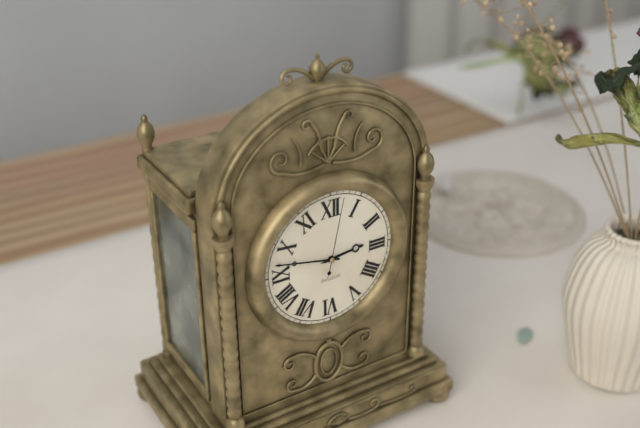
2:47:02
